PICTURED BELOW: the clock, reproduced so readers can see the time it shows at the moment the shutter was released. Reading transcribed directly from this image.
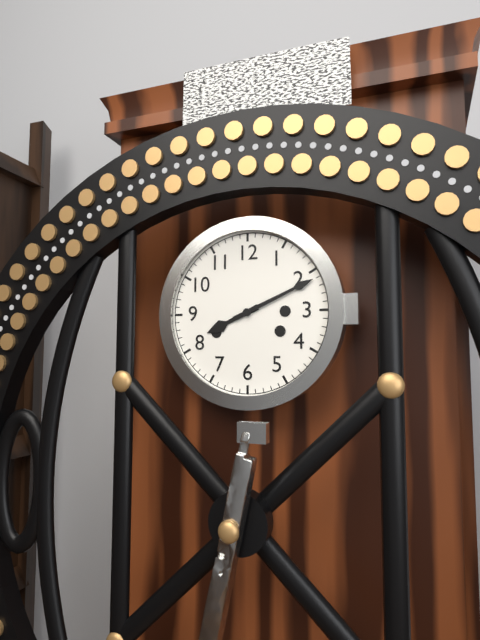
8:11
